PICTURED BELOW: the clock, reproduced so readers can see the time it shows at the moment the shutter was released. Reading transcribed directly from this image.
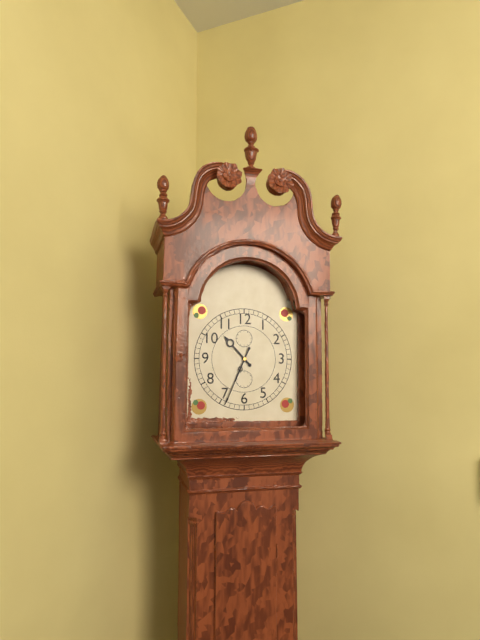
10:34
